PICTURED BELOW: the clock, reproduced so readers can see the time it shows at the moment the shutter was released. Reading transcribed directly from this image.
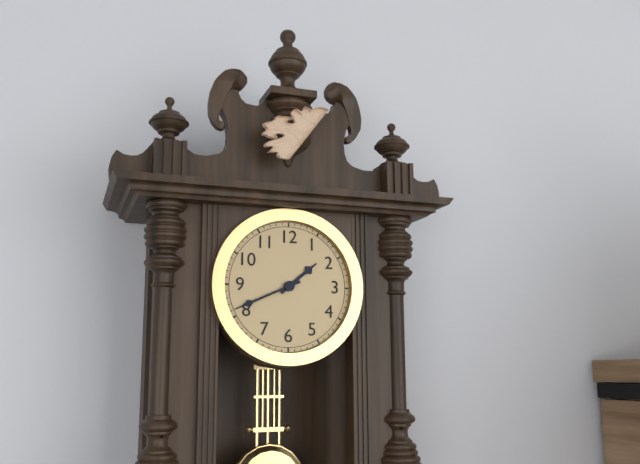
1:41
